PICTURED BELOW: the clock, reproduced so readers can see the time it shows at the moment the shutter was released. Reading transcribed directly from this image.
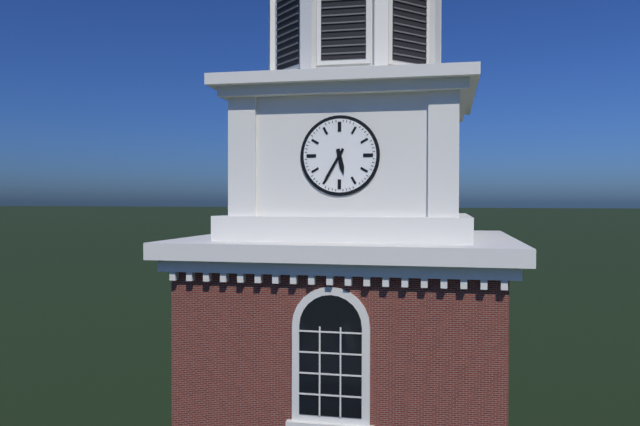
5:35
